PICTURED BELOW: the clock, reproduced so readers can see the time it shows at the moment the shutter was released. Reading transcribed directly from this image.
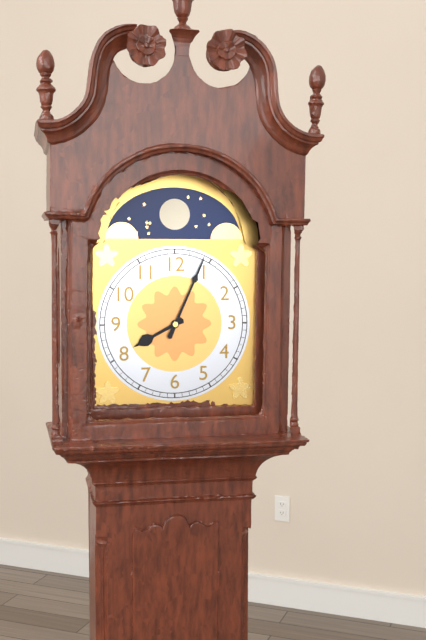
8:04
